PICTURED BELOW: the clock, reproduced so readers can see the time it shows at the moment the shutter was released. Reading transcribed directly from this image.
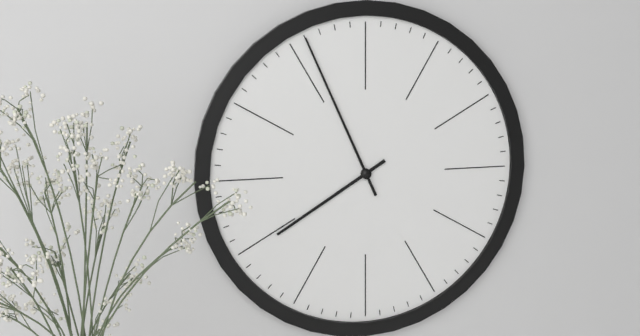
7:56
